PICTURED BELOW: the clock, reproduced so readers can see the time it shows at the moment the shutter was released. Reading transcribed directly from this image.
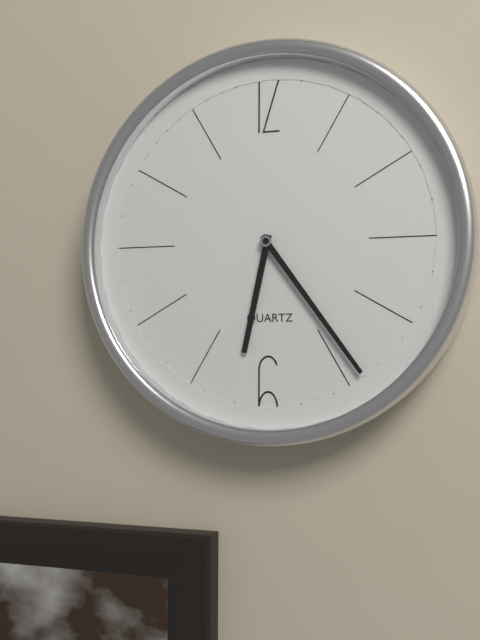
6:24
